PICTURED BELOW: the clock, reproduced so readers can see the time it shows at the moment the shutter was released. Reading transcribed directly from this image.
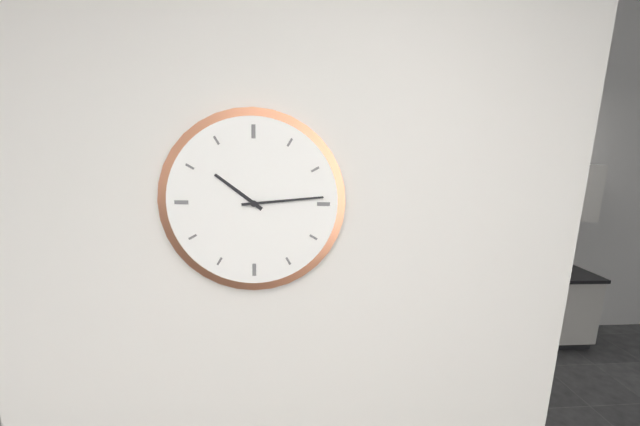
10:14
